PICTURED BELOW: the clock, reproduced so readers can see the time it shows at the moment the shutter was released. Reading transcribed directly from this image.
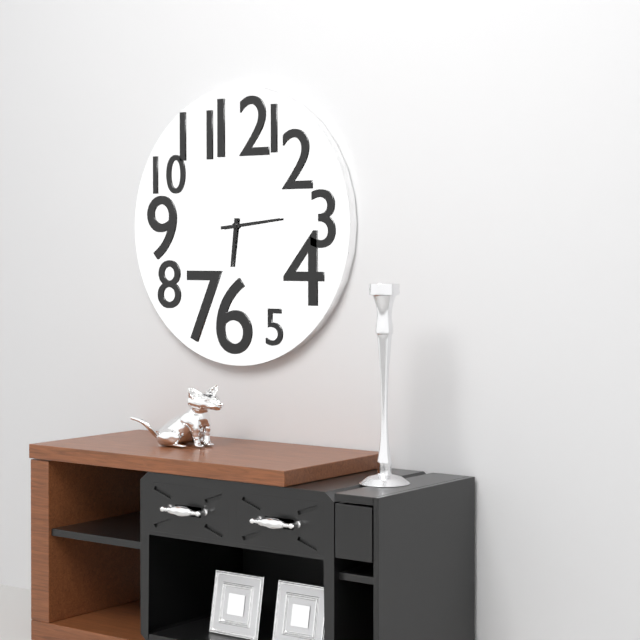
6:14
